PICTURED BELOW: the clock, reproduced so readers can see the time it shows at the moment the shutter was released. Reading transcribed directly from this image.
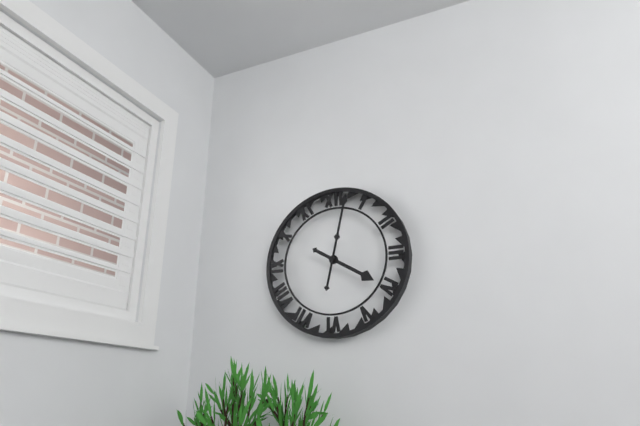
4:02
